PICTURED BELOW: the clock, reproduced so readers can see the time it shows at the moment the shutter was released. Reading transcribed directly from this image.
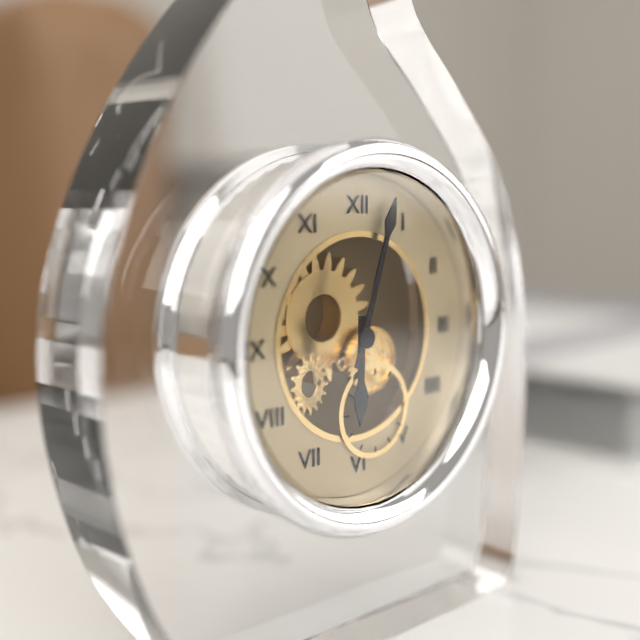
6:03
